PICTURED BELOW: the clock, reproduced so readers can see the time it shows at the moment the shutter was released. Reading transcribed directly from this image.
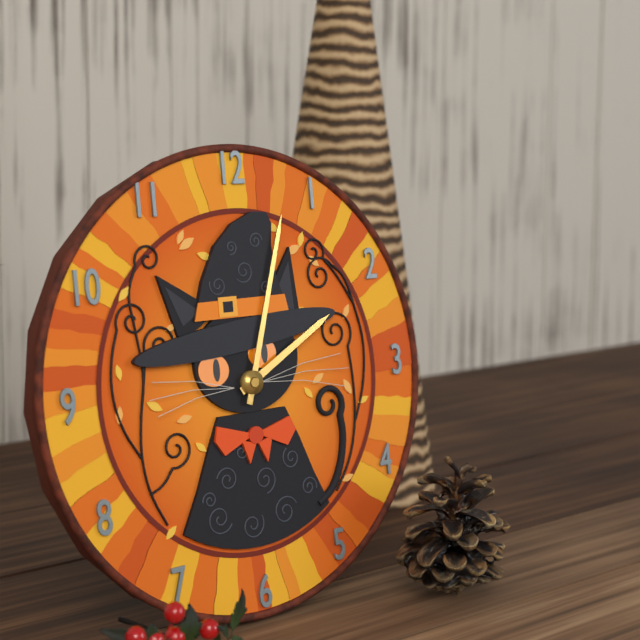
2:03
